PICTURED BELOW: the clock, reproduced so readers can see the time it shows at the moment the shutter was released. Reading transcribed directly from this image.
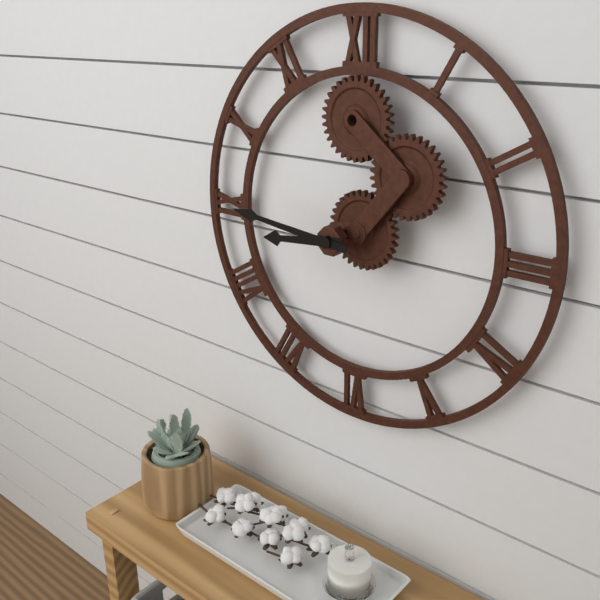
8:46
